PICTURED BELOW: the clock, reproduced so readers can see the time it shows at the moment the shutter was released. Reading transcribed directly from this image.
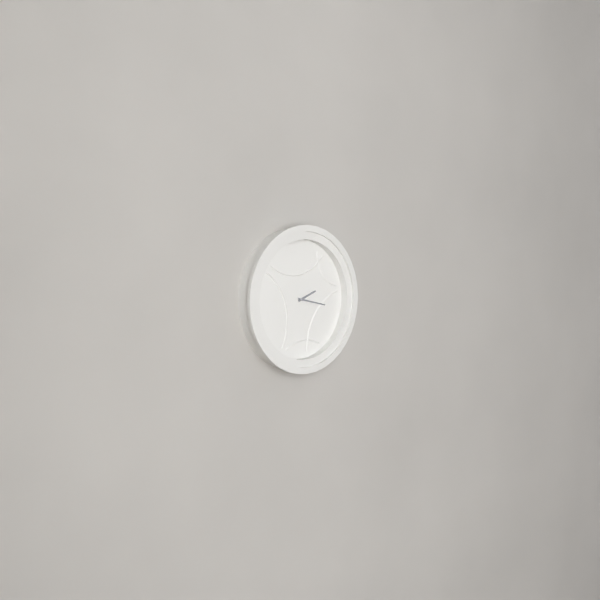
2:17
